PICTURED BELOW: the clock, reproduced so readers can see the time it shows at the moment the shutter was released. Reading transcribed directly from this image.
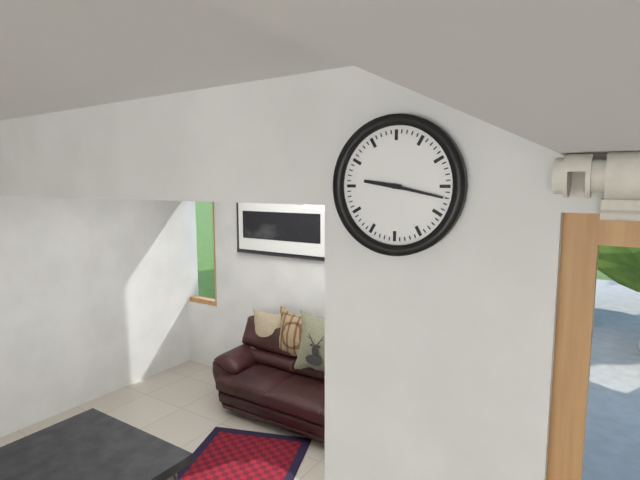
9:17
